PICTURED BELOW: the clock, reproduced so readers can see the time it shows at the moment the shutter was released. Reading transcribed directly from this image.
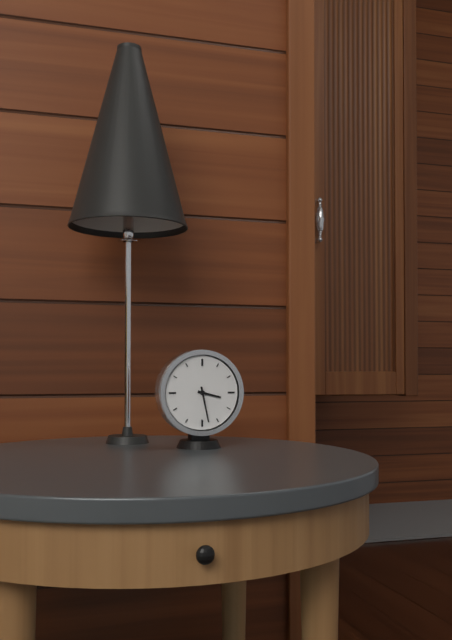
3:28
